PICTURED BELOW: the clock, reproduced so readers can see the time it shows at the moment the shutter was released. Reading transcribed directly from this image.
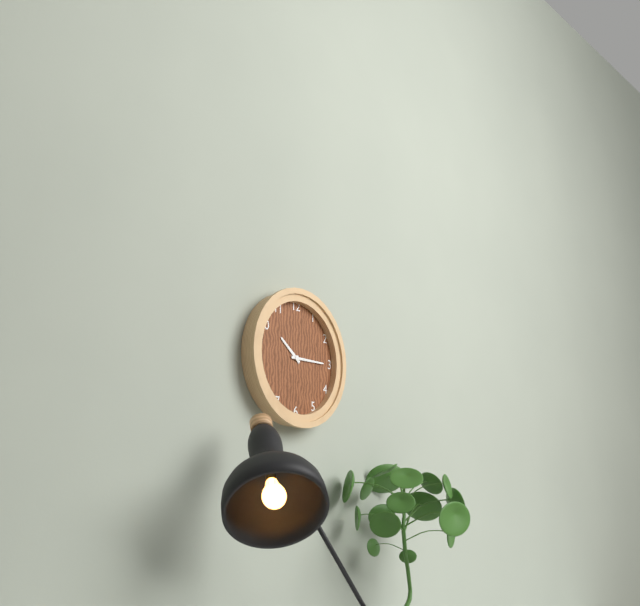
10:15
